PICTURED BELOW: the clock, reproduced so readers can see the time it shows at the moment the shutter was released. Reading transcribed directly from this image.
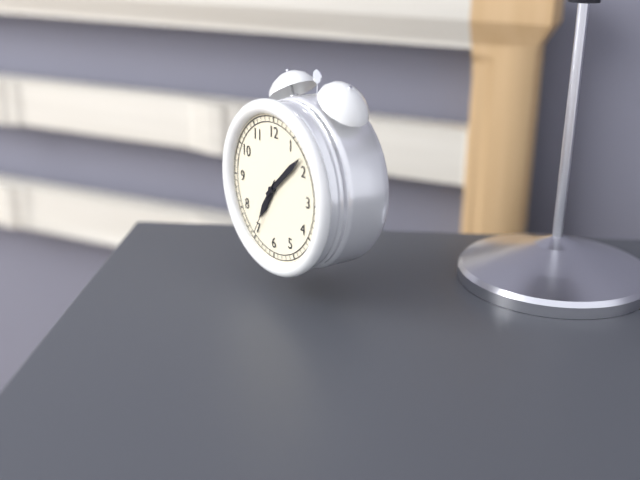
7:08:35
